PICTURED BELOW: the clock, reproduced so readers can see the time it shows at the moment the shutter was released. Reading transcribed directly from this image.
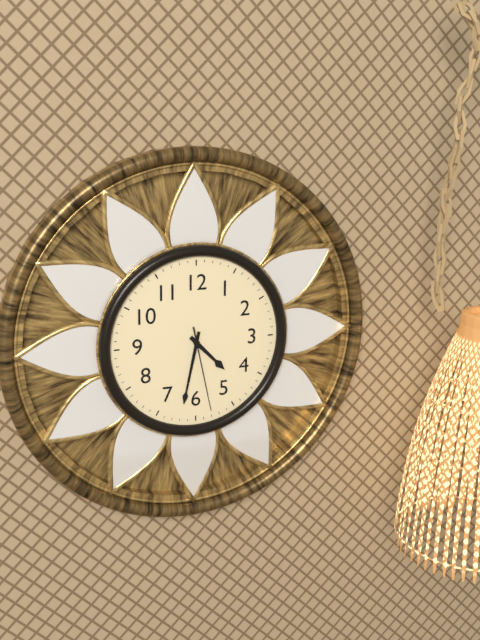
4:32:28
